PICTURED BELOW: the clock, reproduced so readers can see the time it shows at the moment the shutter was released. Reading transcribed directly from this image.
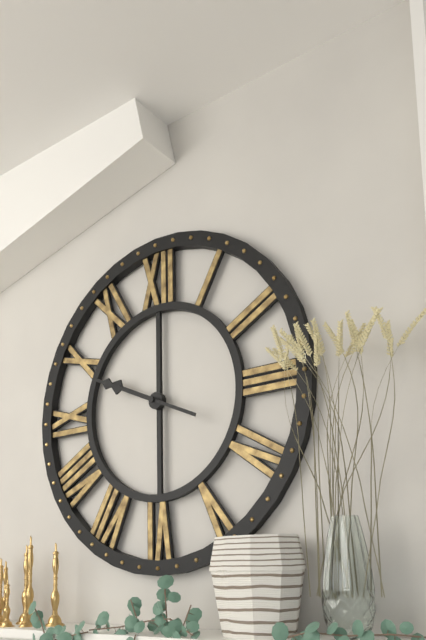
9:49
